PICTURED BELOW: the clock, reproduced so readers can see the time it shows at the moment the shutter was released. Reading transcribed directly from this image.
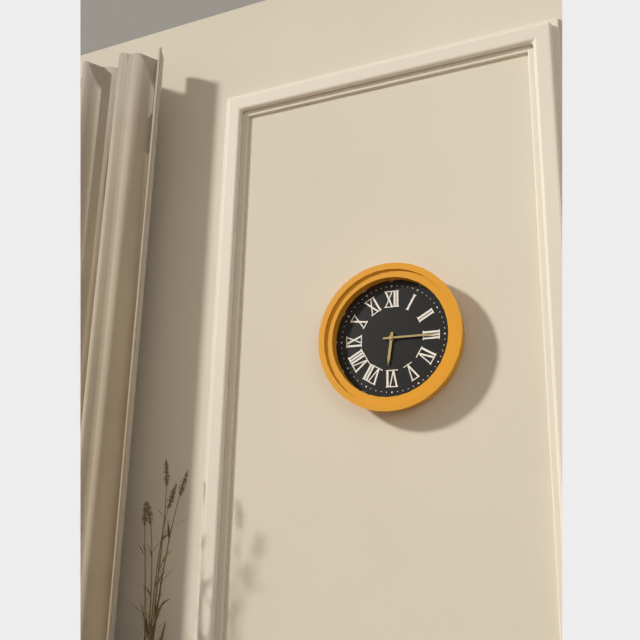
6:15
